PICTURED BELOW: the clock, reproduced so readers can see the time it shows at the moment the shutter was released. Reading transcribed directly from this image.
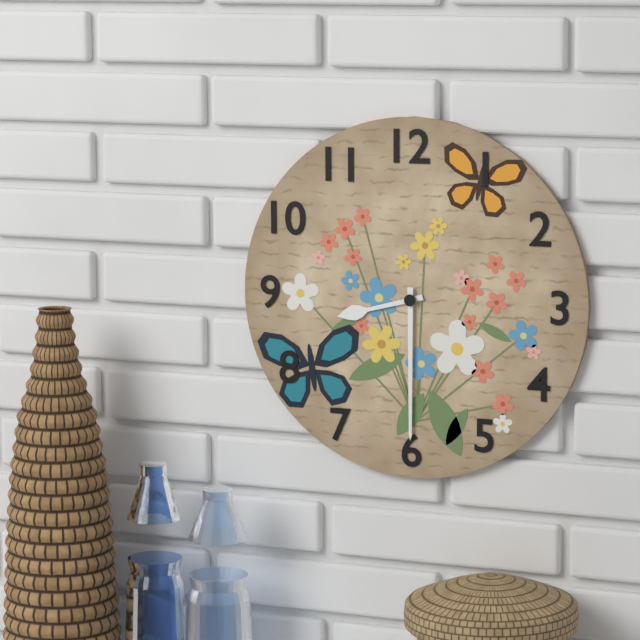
8:30
